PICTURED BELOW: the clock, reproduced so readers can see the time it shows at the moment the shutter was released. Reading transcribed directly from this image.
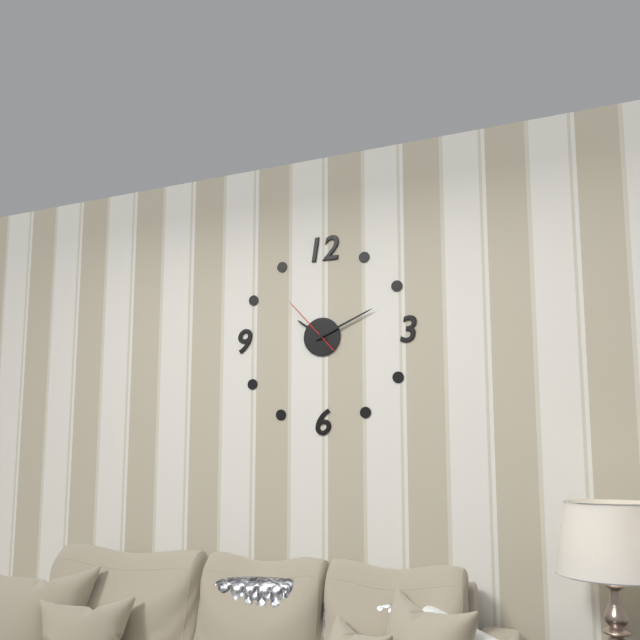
10:11:53
